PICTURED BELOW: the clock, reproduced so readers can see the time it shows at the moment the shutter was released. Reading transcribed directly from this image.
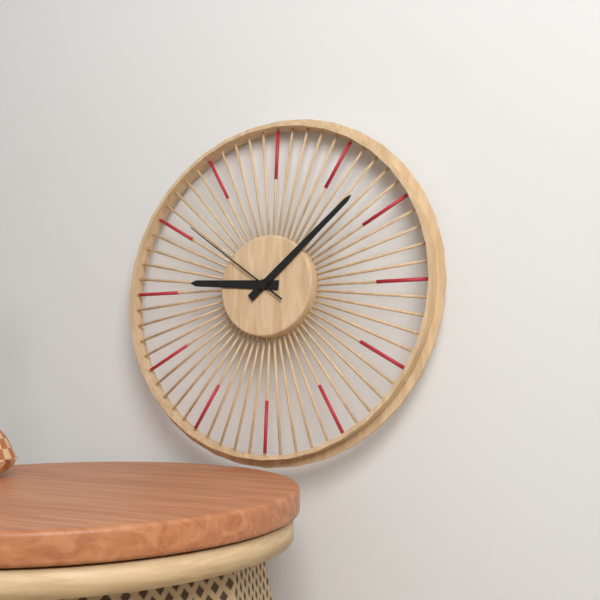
9:08:51
